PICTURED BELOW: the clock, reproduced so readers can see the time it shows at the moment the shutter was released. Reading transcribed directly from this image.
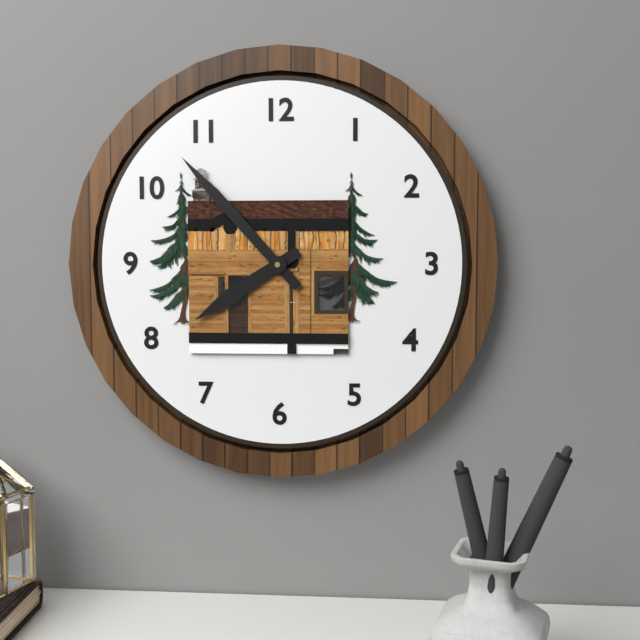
7:53
